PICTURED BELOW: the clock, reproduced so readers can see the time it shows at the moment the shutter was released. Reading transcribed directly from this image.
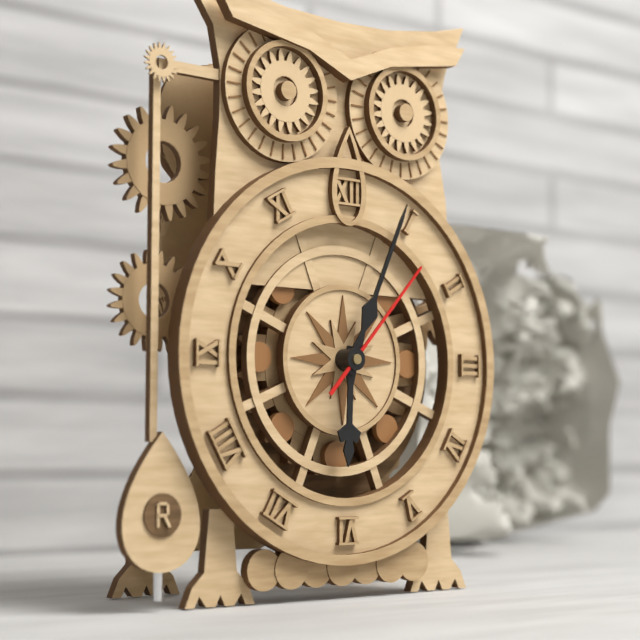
6:04:07
